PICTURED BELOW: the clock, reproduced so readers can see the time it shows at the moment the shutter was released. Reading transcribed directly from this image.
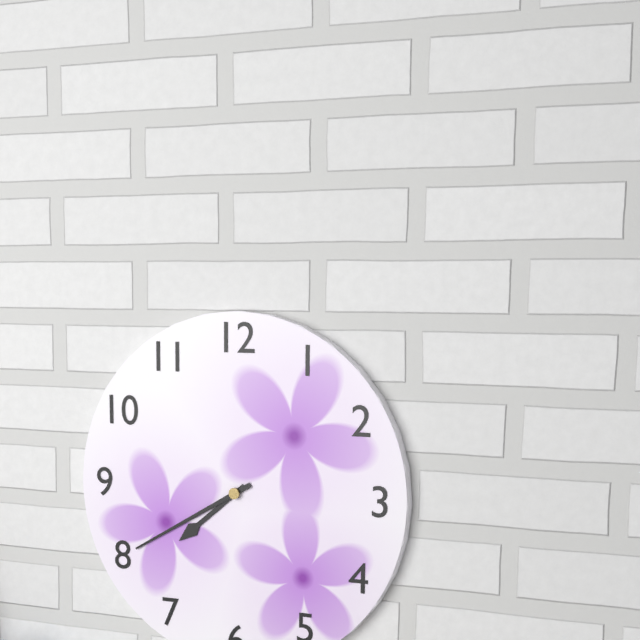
7:40
